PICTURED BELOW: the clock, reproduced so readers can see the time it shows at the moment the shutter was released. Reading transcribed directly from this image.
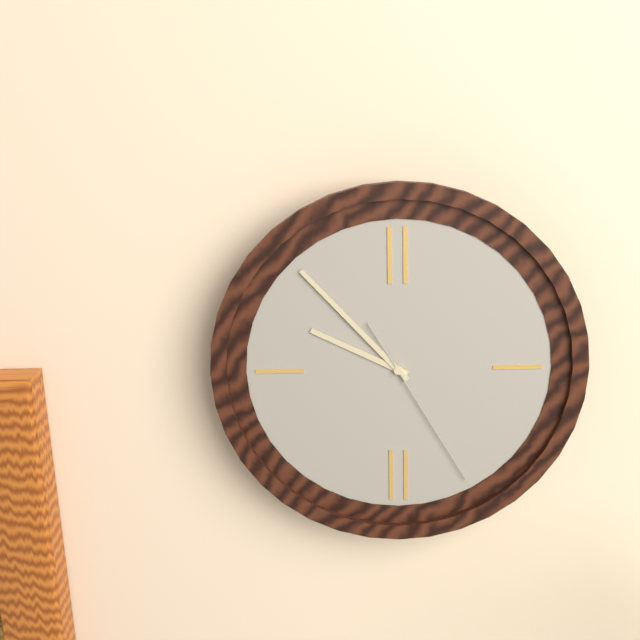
9:53:25
